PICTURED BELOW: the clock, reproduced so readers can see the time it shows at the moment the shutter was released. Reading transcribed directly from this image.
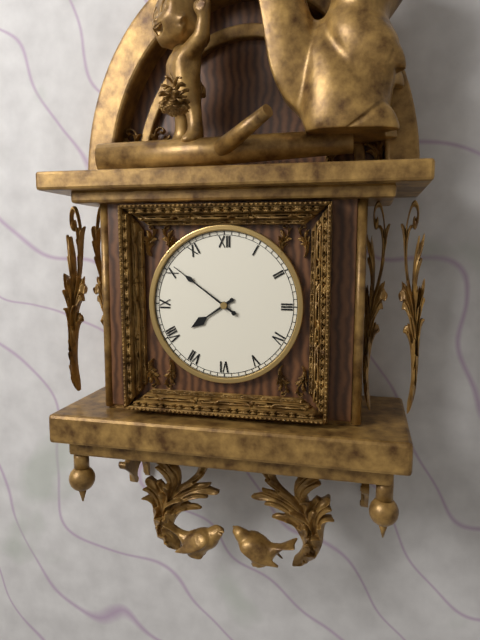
7:51
